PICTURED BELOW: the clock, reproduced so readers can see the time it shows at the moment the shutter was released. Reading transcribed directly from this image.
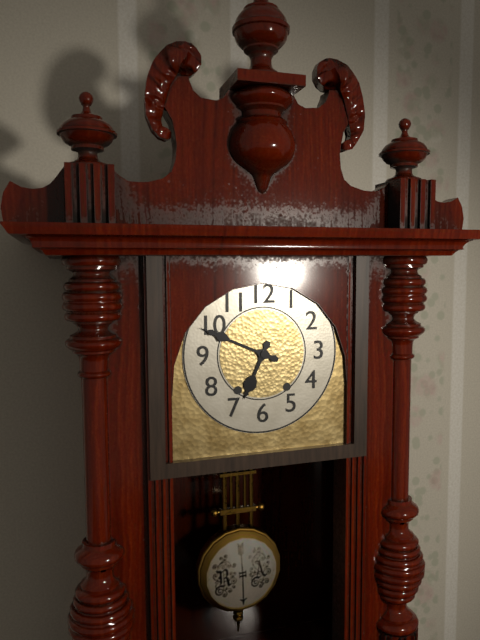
6:49
